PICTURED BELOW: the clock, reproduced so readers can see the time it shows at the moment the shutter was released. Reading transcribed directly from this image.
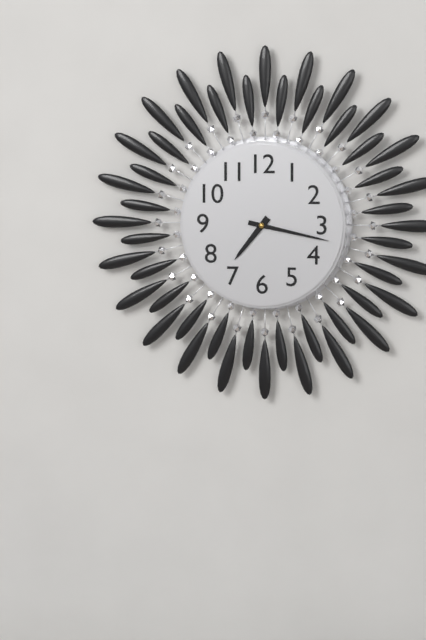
7:17
